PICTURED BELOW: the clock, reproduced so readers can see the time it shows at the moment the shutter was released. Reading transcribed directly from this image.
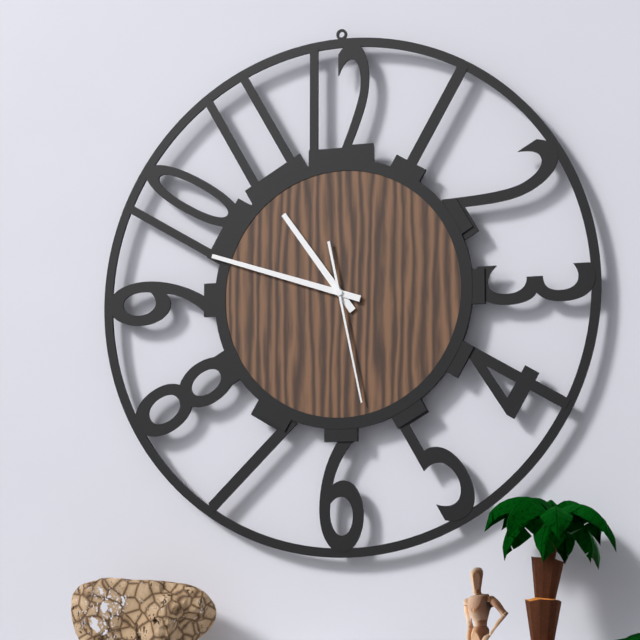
10:48:28
